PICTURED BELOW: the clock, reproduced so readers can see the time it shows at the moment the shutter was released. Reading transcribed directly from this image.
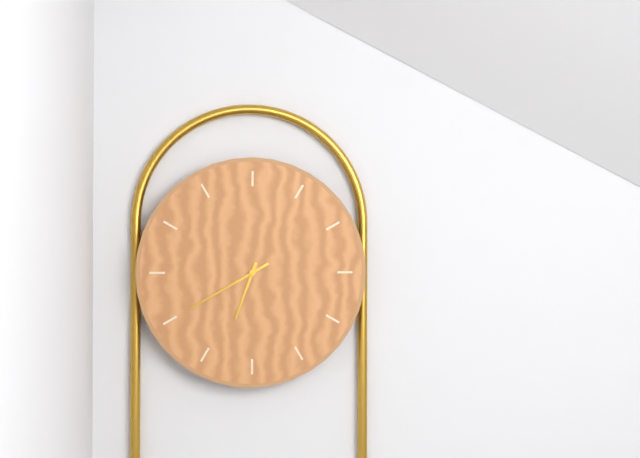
6:40
